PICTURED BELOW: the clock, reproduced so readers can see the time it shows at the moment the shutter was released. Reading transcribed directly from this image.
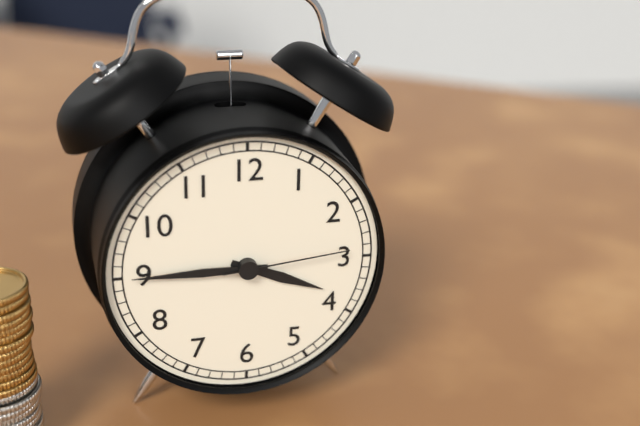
3:45:14
